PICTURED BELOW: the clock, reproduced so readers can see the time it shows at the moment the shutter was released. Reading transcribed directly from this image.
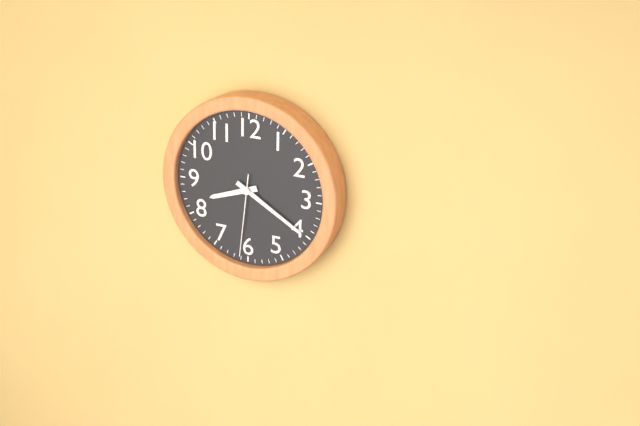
8:20:31
